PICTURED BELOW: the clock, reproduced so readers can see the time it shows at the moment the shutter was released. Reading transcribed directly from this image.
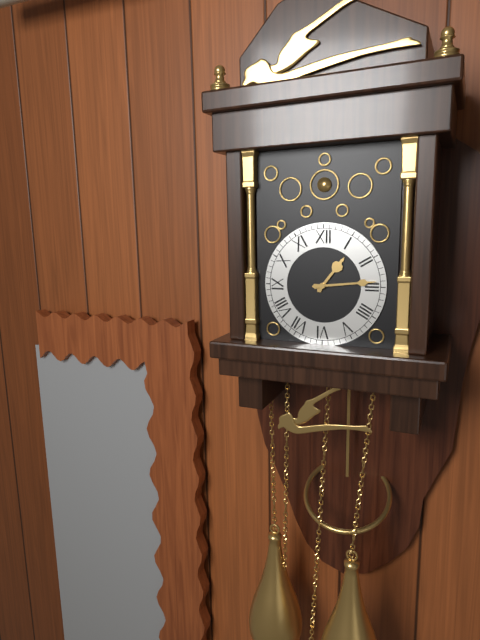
1:14
